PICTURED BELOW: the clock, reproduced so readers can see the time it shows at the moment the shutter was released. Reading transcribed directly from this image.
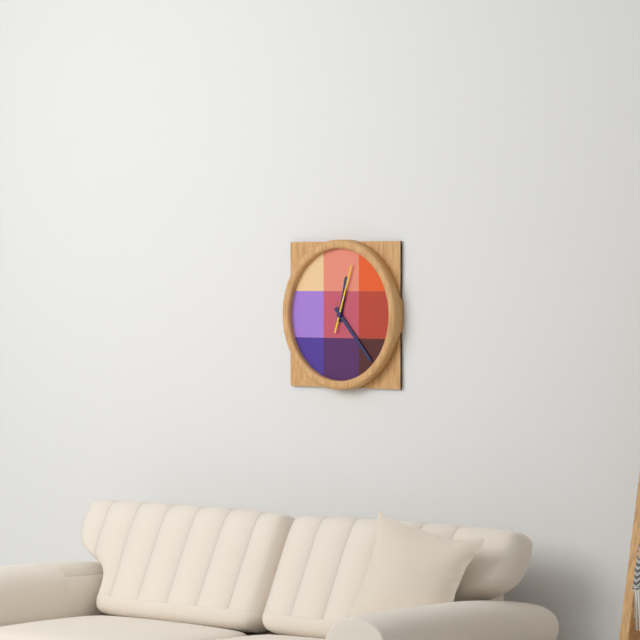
12:23:03
